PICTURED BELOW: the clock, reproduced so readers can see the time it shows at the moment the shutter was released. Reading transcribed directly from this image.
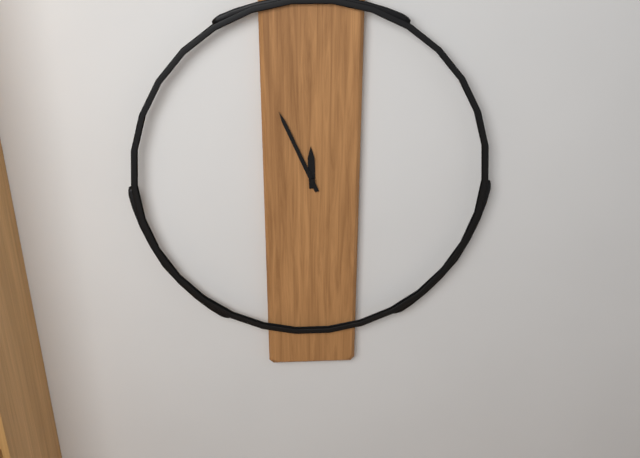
11:56
